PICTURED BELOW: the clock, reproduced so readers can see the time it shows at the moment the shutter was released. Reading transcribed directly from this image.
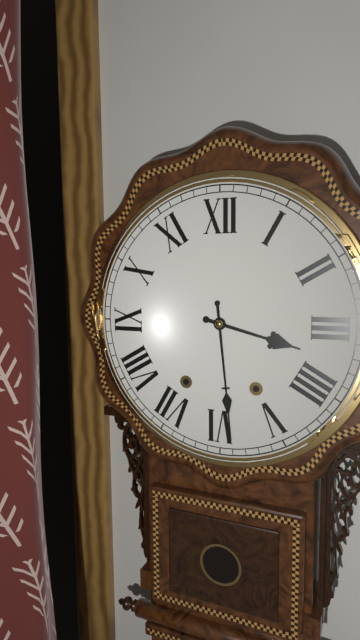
3:29
